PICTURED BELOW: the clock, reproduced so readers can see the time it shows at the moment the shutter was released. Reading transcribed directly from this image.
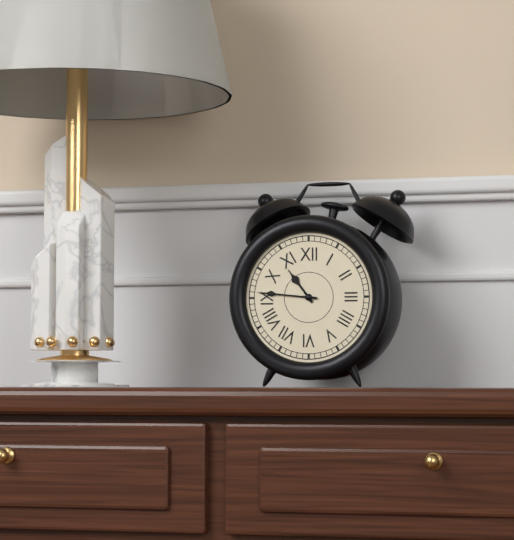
10:46
